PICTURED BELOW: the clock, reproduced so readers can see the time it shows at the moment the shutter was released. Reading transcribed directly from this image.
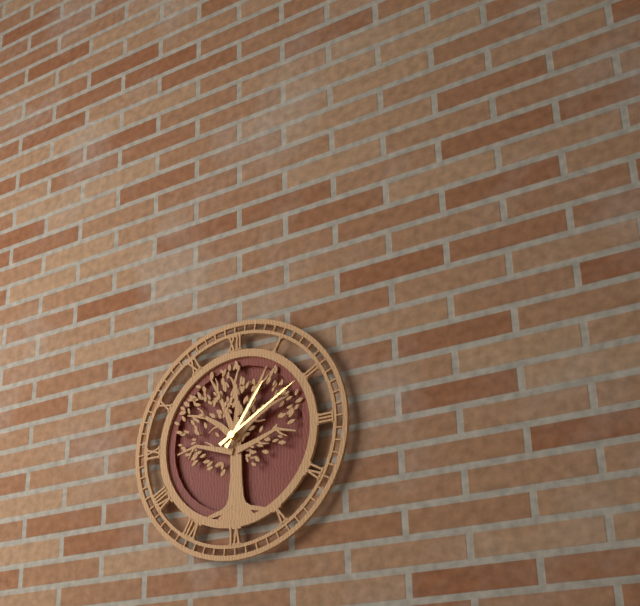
1:10
